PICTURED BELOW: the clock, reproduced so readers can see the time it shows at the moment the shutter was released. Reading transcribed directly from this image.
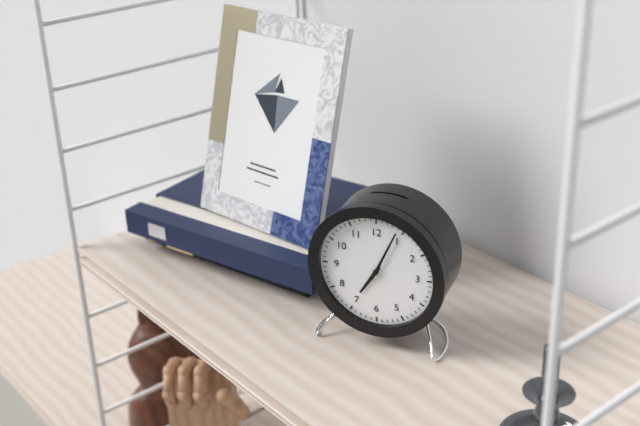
7:04
